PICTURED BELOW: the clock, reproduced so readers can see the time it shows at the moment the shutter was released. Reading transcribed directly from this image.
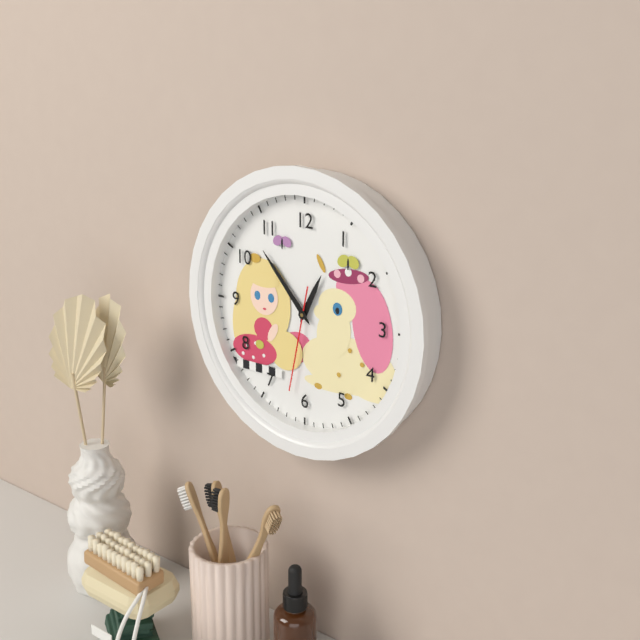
12:53:32
